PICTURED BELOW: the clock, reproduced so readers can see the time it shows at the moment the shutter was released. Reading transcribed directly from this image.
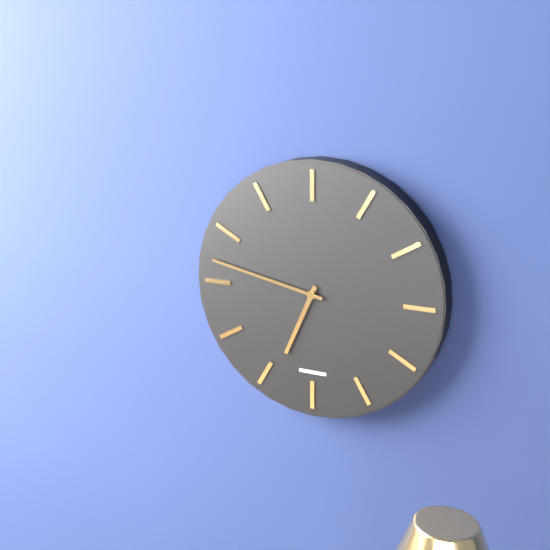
6:47
